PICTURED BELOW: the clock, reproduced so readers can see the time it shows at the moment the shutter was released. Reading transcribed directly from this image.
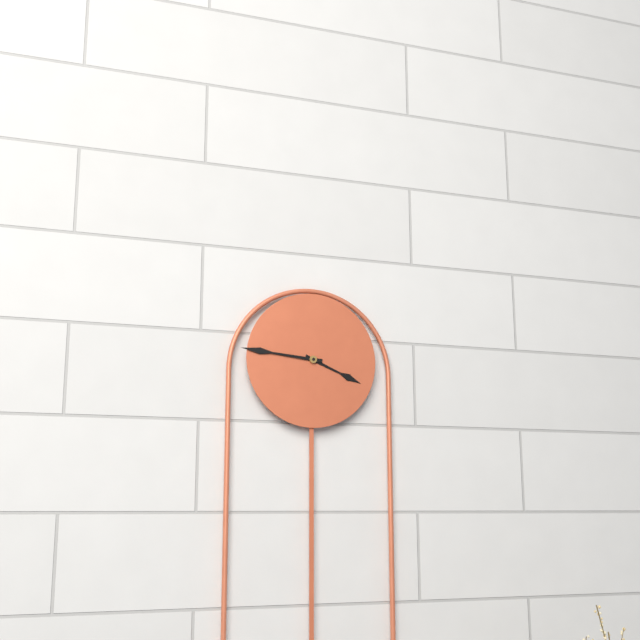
3:46
